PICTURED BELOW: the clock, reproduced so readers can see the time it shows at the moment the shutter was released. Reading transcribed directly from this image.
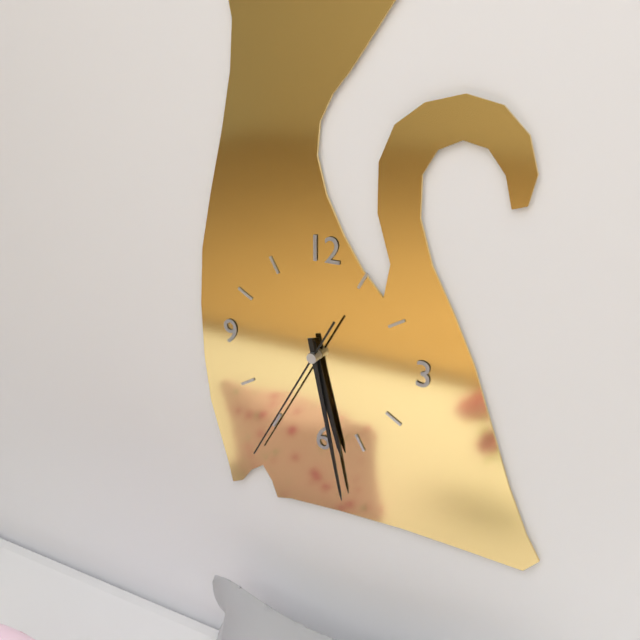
5:28:35
